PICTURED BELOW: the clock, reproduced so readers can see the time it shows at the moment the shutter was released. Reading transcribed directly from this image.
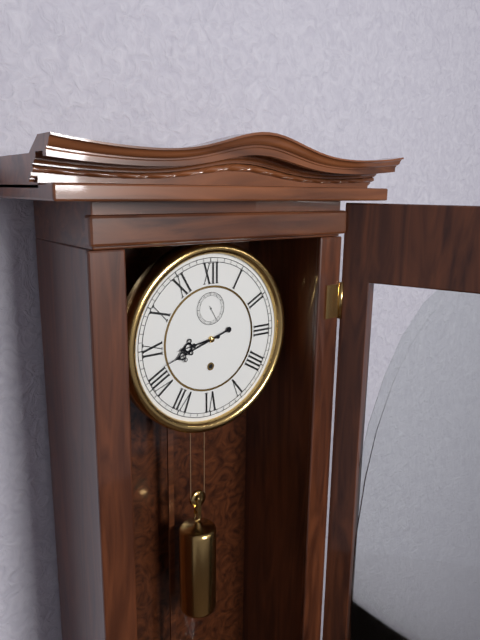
8:42
